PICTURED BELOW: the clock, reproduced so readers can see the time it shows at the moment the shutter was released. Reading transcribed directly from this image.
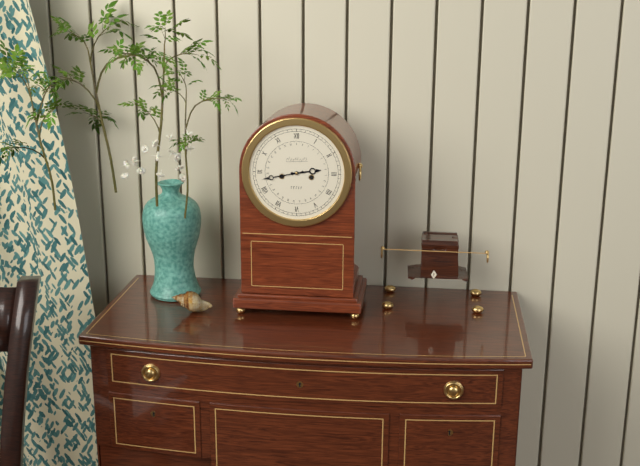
2:43
